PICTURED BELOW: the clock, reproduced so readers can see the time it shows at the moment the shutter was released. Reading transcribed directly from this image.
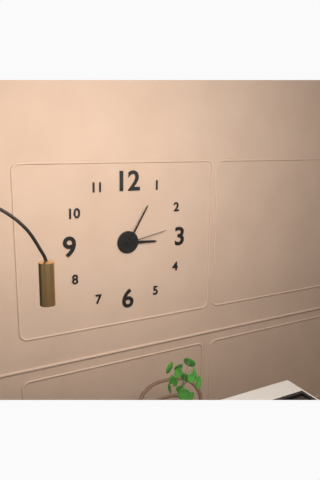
3:05:13
